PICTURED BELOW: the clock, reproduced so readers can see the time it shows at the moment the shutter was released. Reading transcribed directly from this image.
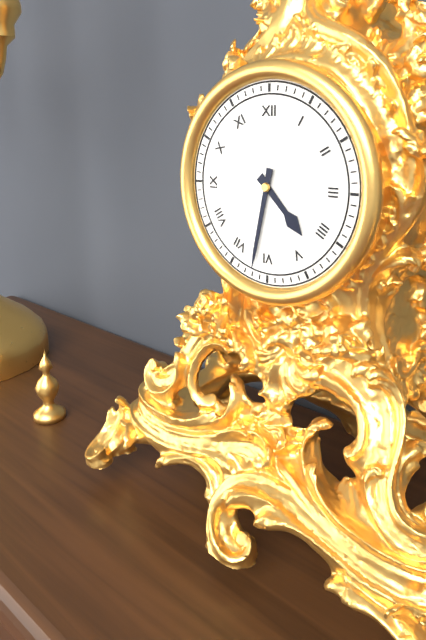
4:32
